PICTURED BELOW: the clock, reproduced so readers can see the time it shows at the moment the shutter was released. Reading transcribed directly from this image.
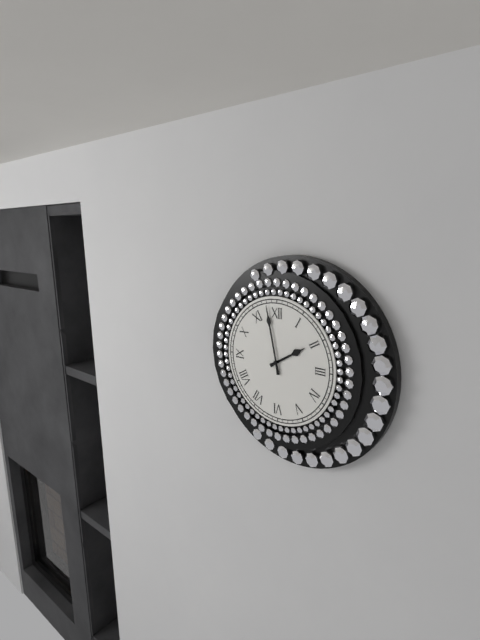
1:58
